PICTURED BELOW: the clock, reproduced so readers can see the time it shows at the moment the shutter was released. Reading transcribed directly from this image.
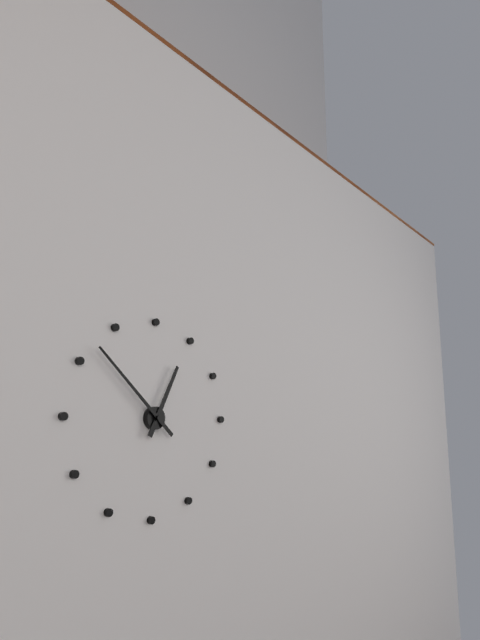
12:52
